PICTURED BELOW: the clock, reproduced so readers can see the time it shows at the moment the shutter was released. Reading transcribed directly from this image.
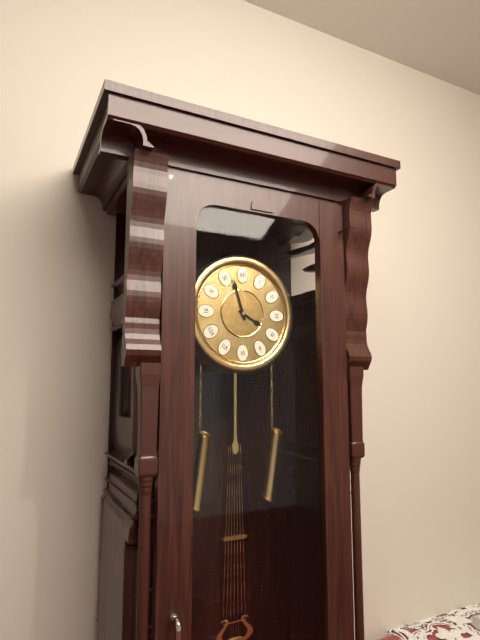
3:57
